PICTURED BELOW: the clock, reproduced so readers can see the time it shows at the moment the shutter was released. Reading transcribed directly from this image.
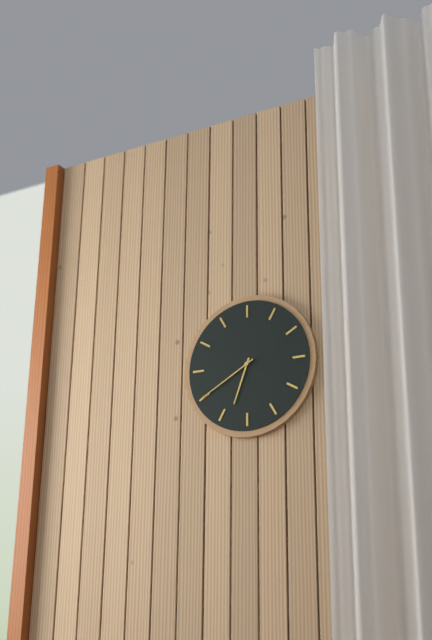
6:40
